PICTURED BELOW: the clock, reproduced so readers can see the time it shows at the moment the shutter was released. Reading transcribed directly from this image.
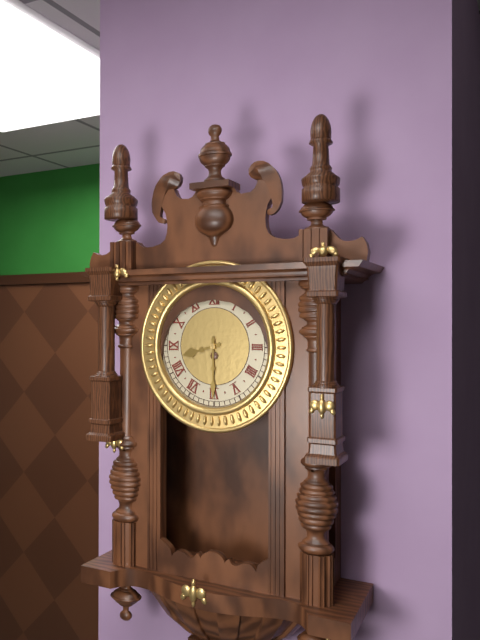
8:30
